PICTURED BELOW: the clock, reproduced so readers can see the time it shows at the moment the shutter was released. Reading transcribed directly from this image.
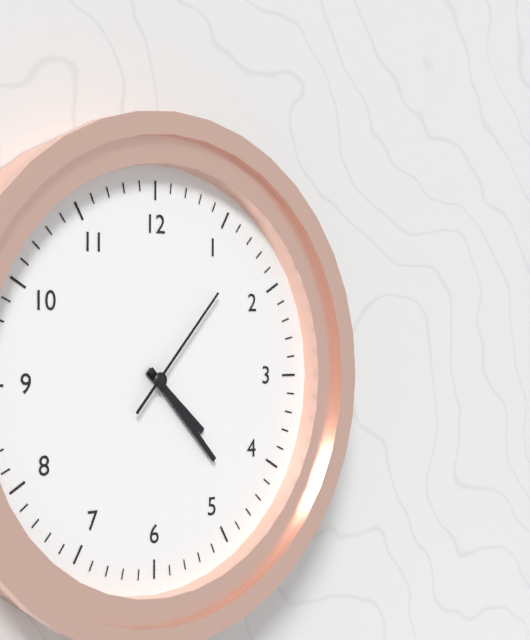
4:23:07
